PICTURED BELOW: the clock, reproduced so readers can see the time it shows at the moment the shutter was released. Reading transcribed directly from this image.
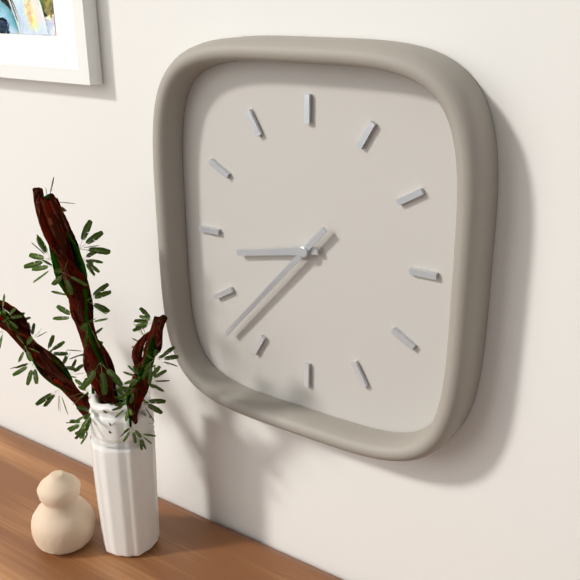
8:37
